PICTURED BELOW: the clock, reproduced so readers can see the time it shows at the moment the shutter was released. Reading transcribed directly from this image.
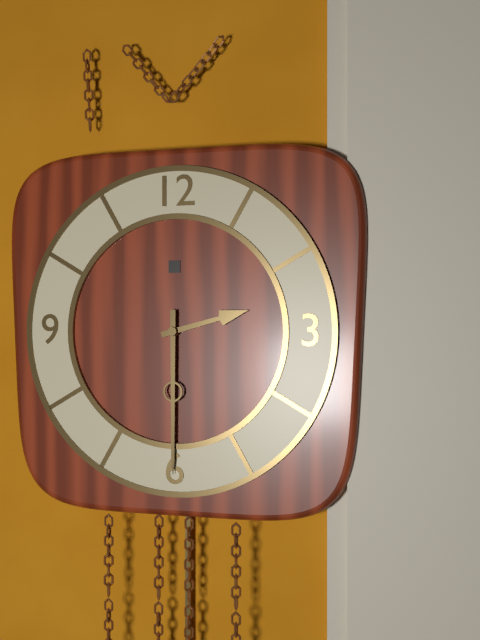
2:30
